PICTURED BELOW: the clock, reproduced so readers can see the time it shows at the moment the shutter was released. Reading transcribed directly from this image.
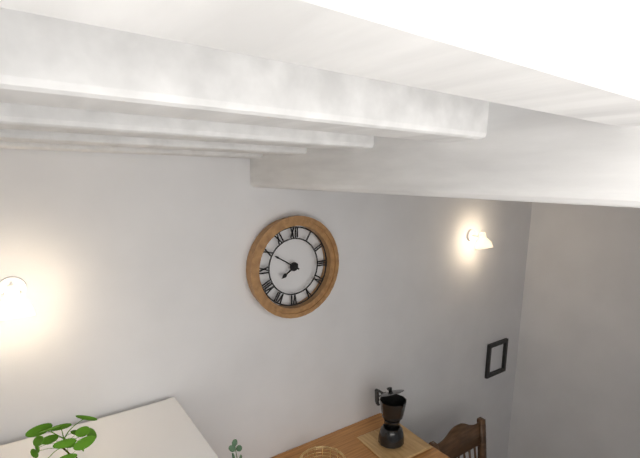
7:50
